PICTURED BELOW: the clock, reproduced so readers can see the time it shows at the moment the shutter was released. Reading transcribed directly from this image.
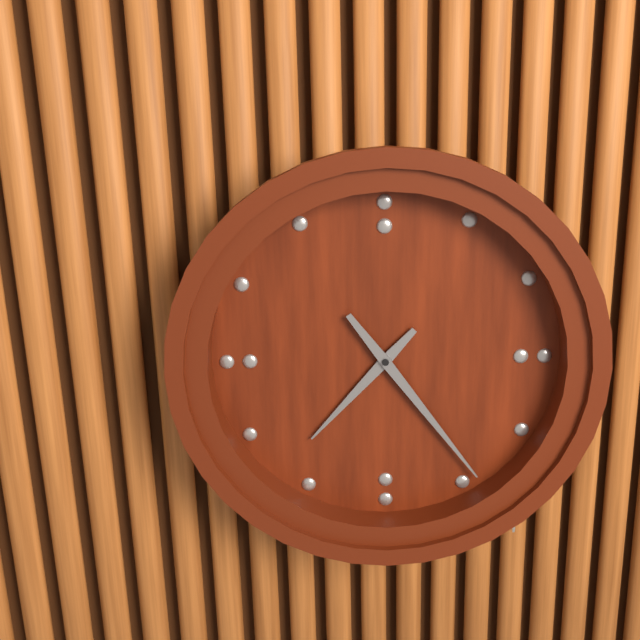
7:24
